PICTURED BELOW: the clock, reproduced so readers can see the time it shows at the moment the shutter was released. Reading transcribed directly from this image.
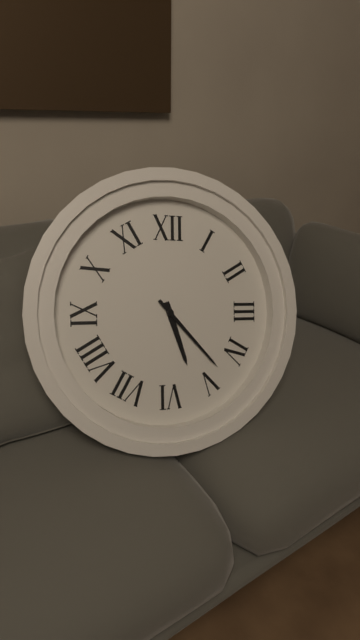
5:23
